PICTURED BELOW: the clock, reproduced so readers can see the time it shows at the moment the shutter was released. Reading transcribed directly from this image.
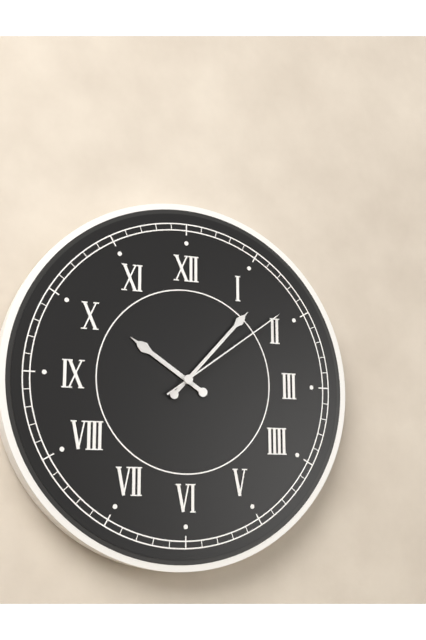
10:07:09
